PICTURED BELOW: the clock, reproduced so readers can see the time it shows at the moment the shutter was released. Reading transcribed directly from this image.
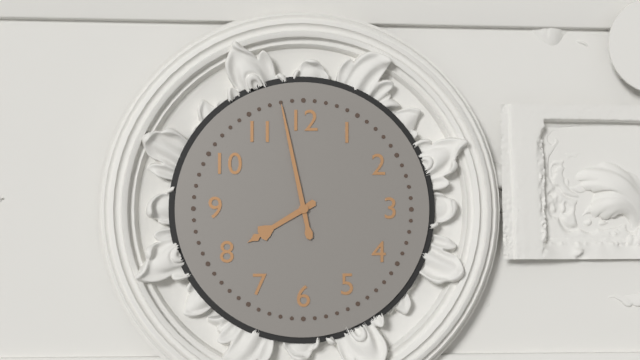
7:58
